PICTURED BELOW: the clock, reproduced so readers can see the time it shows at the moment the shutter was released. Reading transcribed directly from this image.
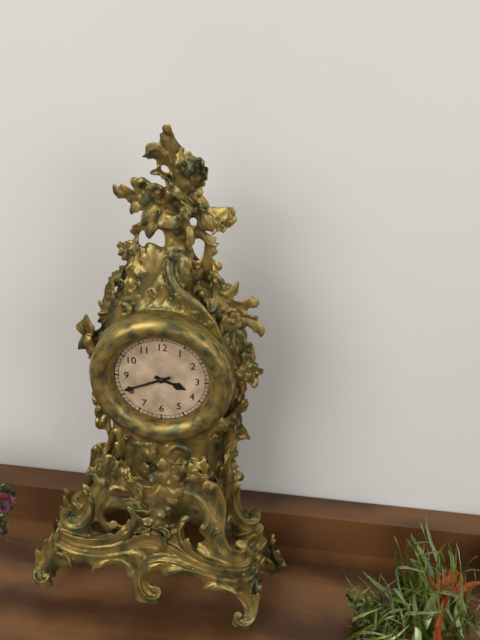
3:41
